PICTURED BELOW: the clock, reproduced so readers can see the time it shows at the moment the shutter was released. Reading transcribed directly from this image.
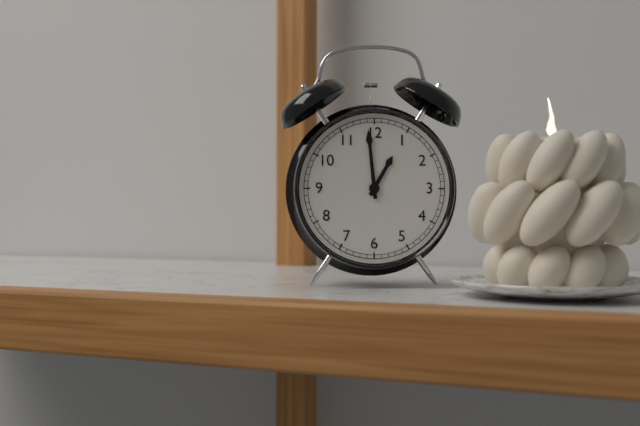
12:59
